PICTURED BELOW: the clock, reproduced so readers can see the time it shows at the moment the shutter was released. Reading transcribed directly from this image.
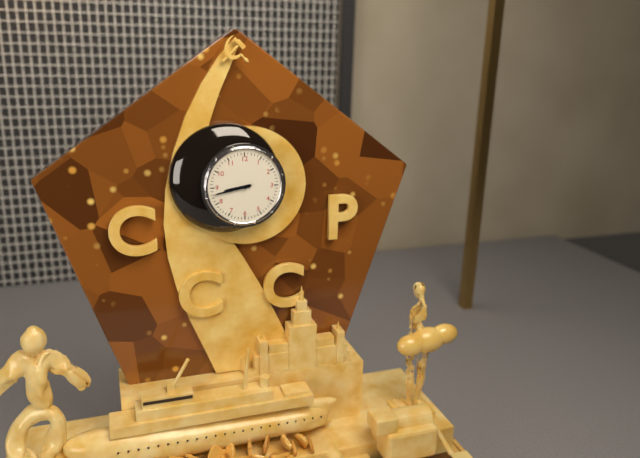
8:43
